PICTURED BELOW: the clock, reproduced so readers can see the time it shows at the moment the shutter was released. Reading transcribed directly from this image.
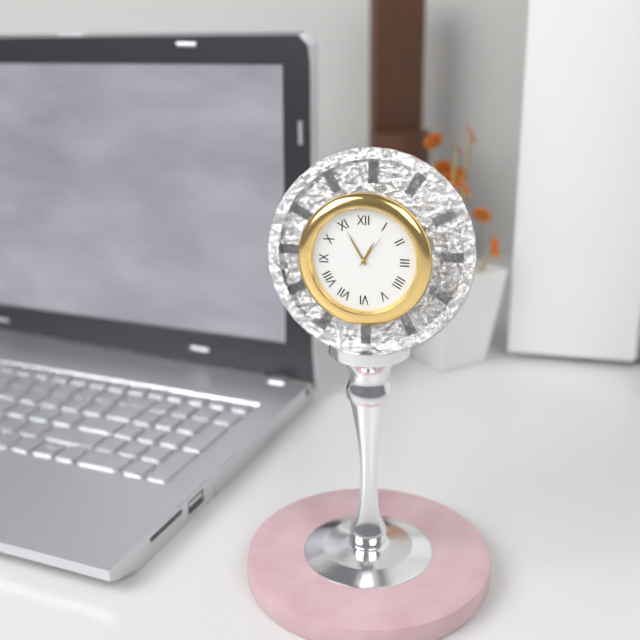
12:55
